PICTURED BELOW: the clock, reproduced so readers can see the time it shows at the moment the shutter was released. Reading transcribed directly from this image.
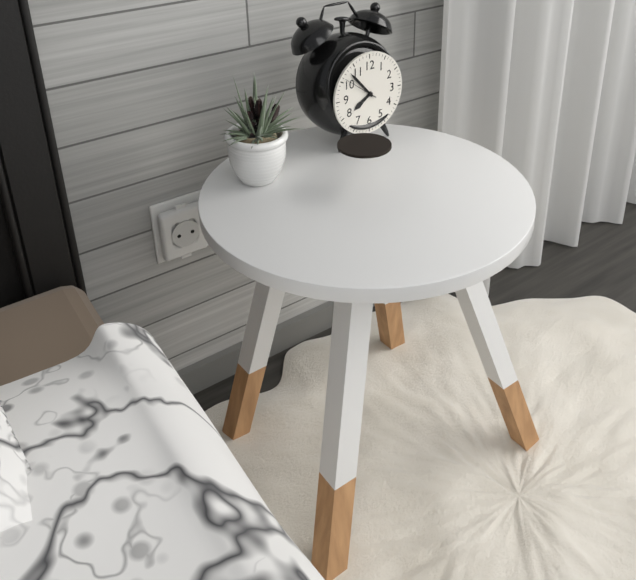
7:53
